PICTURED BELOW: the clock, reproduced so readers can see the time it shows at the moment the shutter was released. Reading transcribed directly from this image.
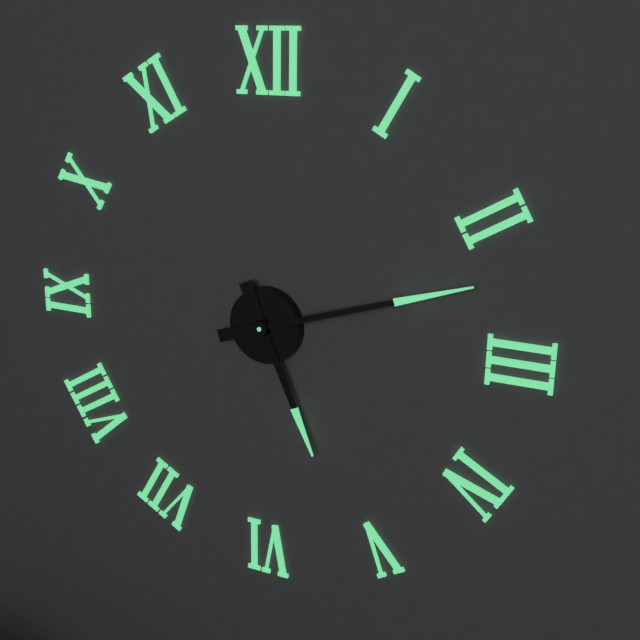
5:12
